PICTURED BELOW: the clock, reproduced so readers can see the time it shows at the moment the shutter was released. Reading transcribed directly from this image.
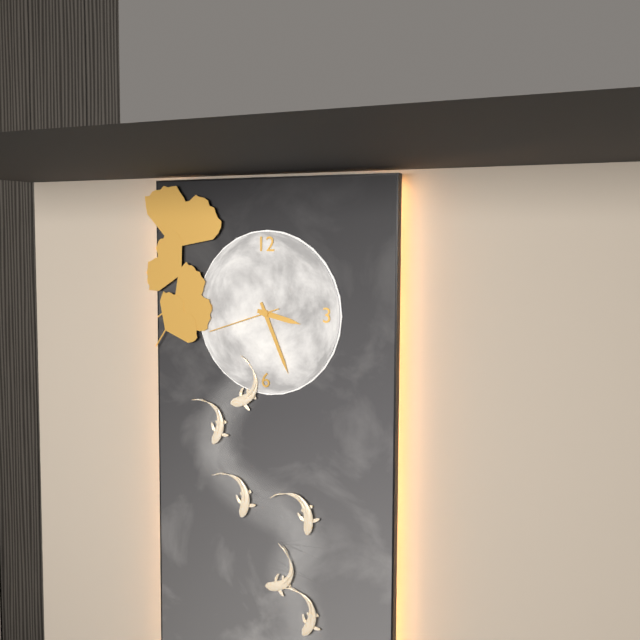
3:26:42
